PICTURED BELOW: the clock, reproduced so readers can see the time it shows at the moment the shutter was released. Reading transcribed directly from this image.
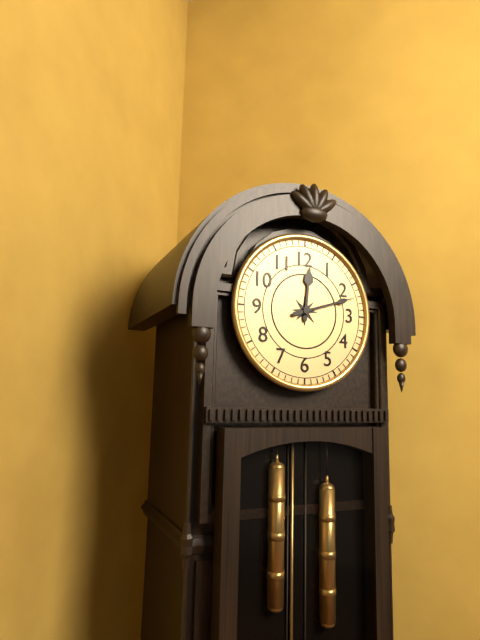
12:12
